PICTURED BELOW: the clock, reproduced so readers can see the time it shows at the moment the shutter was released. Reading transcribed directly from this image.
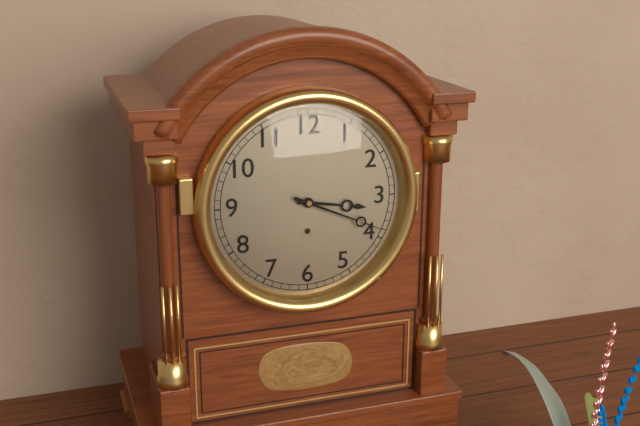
3:19
